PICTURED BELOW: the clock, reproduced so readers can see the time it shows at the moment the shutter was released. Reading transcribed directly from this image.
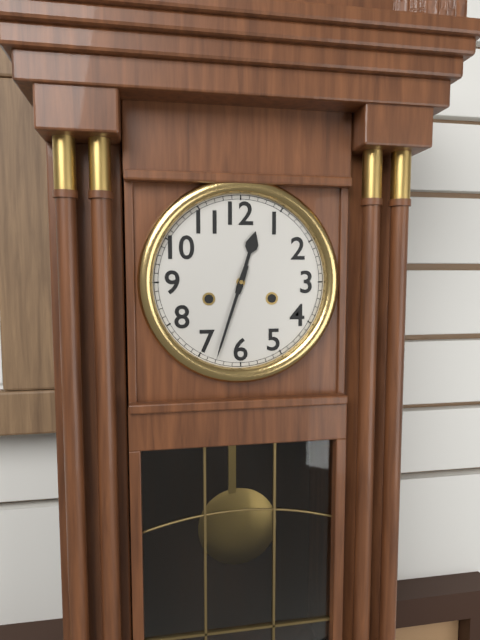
12:33
